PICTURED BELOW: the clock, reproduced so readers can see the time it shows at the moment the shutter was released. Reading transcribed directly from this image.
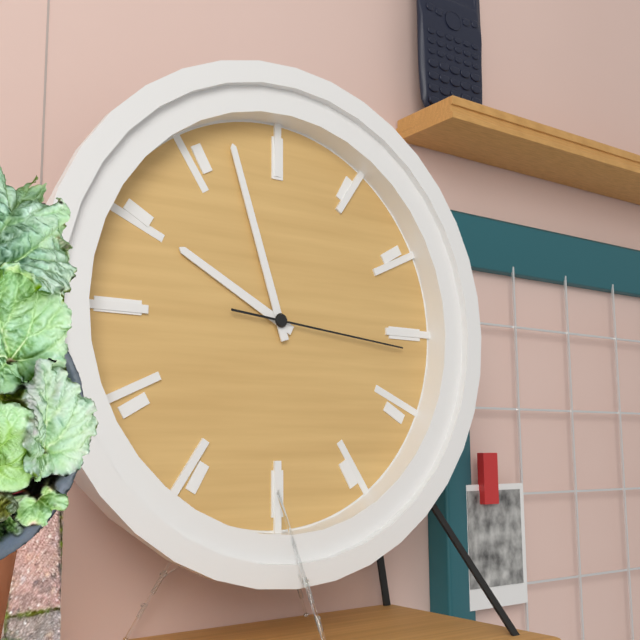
9:57:16
